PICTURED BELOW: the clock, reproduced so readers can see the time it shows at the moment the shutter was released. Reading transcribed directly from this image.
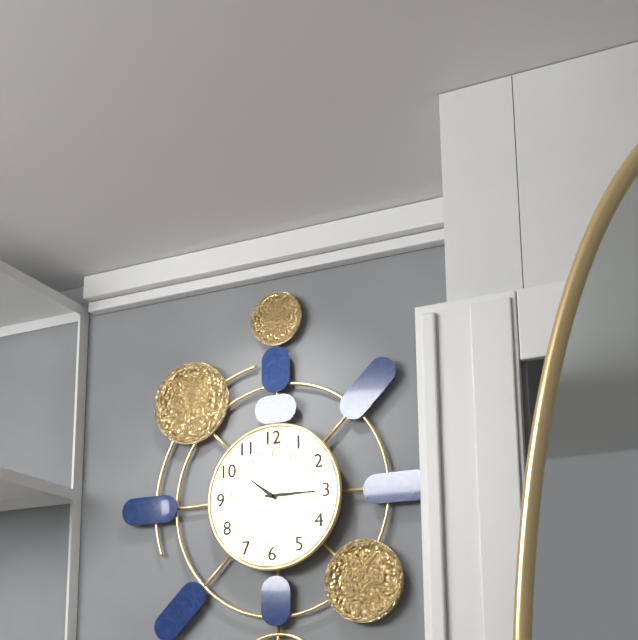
10:15:00
